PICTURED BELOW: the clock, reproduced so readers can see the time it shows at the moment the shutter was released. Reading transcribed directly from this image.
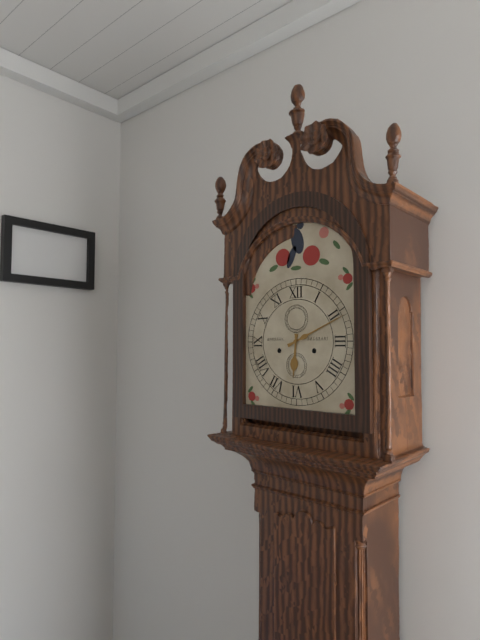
6:11
